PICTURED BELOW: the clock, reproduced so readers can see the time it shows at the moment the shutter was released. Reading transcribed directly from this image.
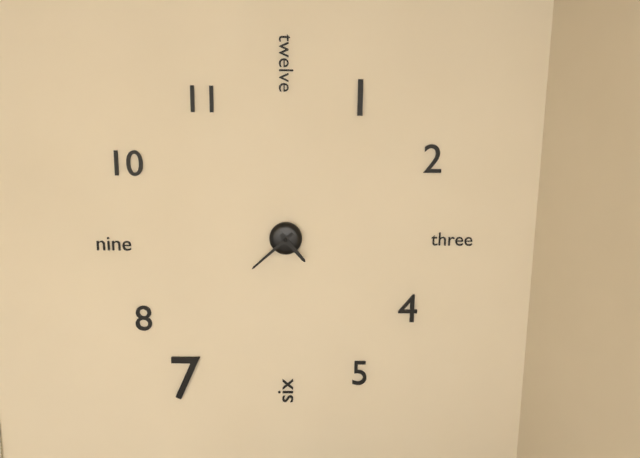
4:38
